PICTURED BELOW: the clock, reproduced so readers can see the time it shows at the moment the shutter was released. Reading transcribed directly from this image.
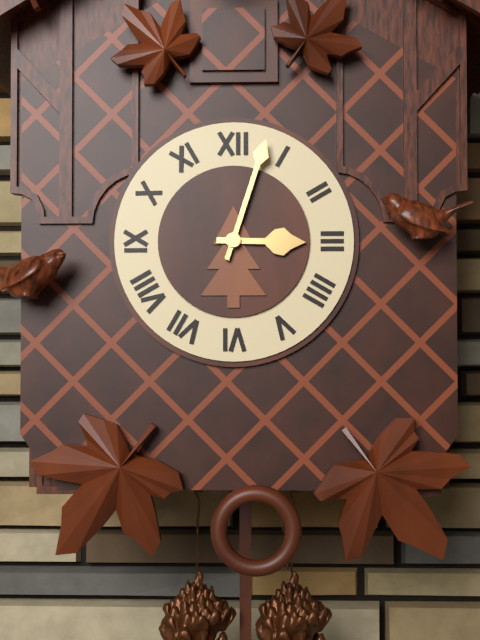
3:03
